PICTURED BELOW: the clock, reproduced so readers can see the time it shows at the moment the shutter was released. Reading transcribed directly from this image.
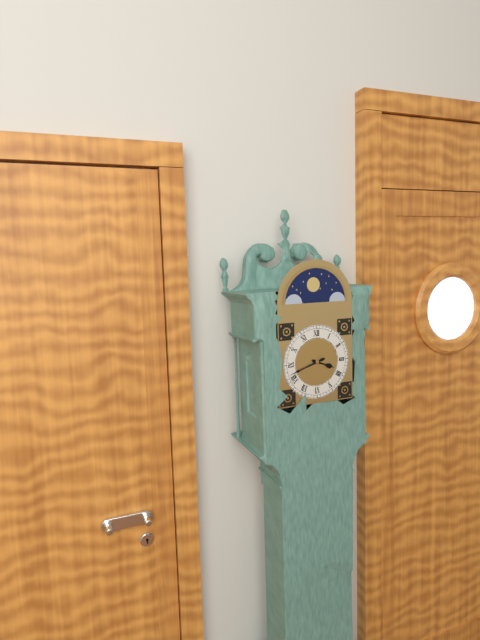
3:42
